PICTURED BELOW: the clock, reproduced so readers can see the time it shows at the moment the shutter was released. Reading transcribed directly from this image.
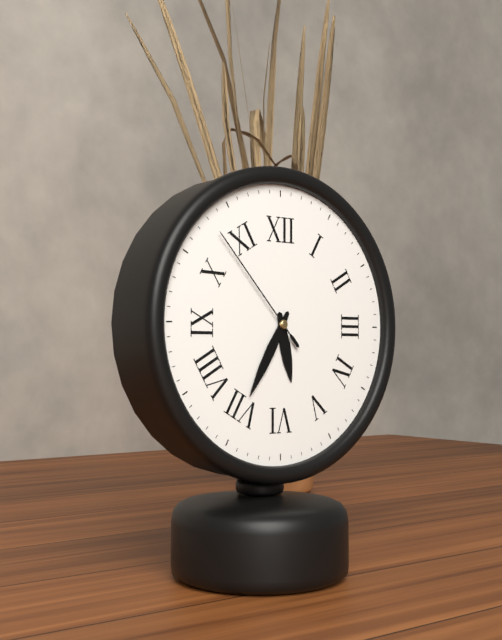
5:35:53
